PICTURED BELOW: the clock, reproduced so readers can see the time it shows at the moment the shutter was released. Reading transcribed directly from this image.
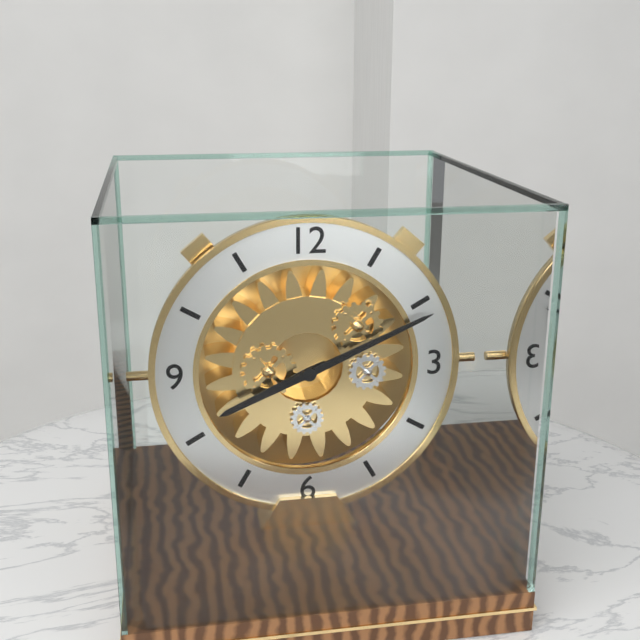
8:11
